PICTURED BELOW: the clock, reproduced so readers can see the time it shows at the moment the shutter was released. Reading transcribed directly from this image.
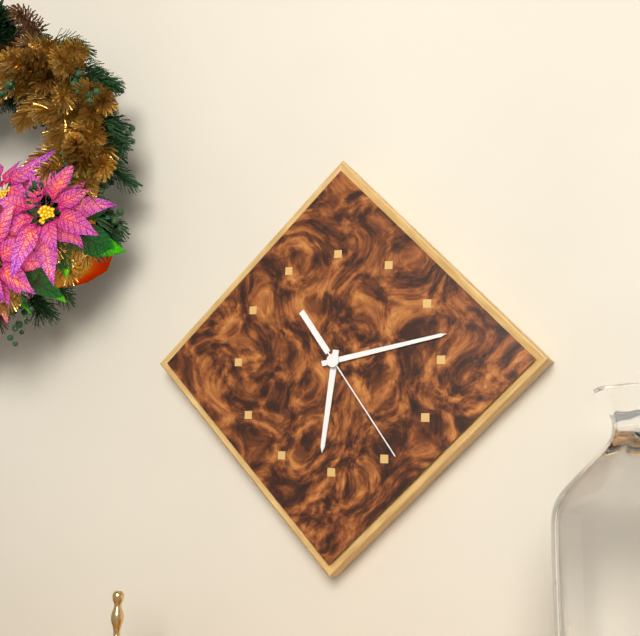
6:13:24
